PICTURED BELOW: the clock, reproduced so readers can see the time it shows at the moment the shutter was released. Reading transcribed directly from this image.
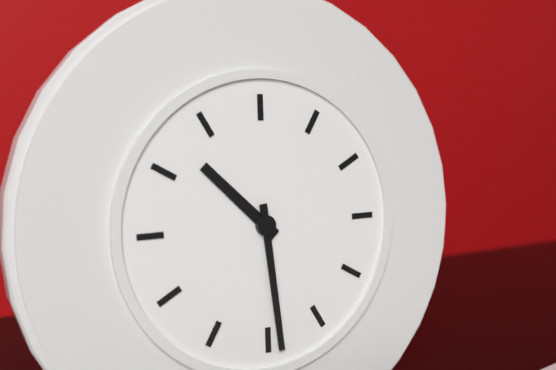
10:29
